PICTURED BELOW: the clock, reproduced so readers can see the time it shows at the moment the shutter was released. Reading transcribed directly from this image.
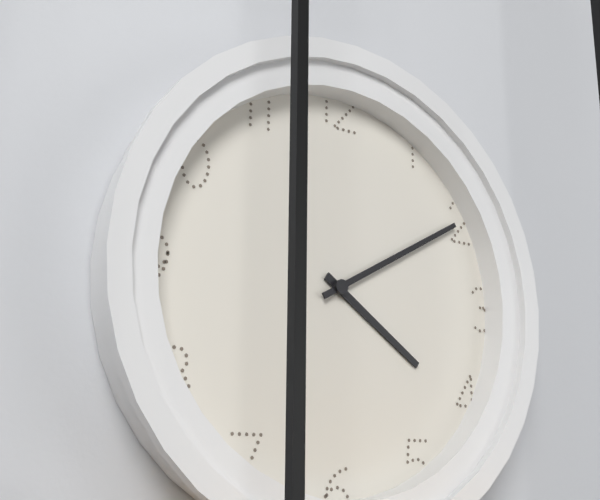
4:10
